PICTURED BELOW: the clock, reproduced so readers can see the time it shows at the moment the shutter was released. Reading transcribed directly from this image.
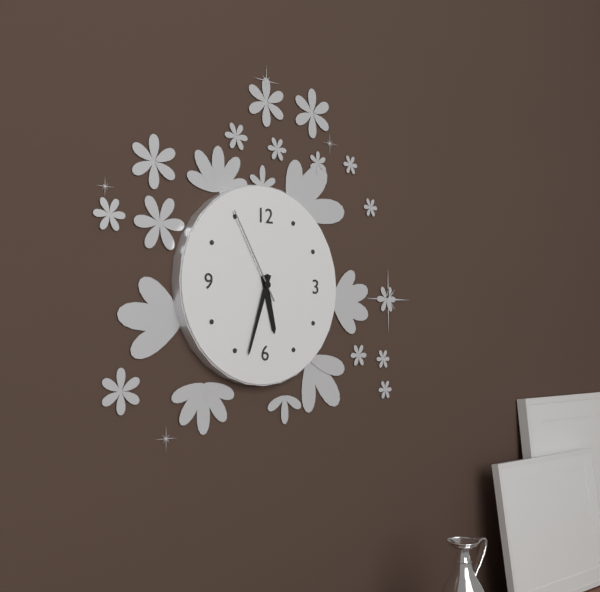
5:33:55
